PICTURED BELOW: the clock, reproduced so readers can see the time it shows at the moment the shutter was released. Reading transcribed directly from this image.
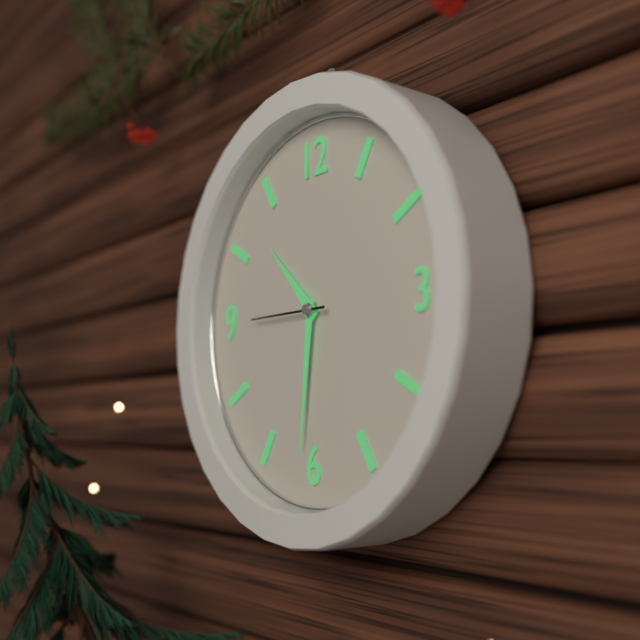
10:31:45
